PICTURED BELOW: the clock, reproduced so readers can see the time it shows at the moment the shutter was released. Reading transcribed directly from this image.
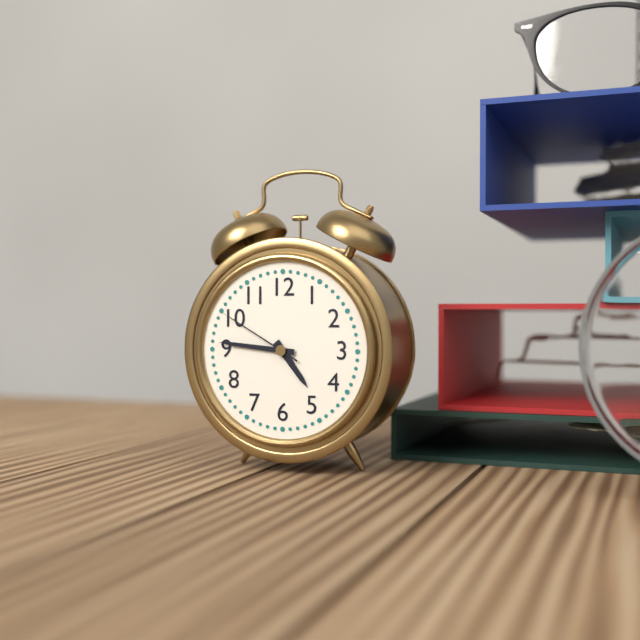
4:46:50
